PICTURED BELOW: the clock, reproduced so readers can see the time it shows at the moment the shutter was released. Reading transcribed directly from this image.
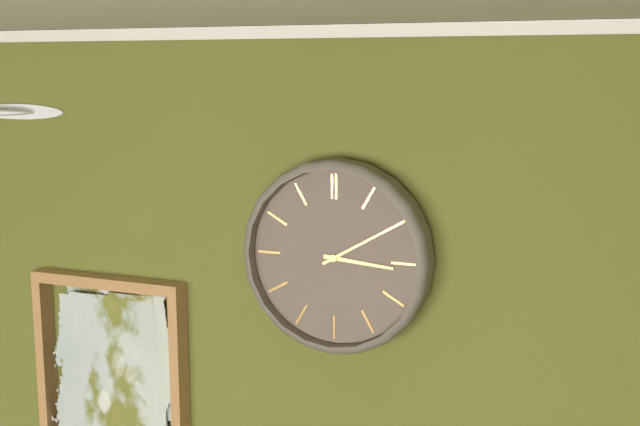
3:10
